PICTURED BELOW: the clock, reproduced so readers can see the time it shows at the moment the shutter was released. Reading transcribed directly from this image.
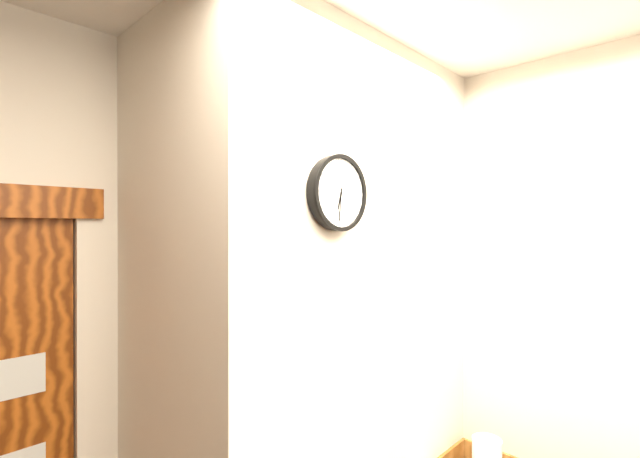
6:31
